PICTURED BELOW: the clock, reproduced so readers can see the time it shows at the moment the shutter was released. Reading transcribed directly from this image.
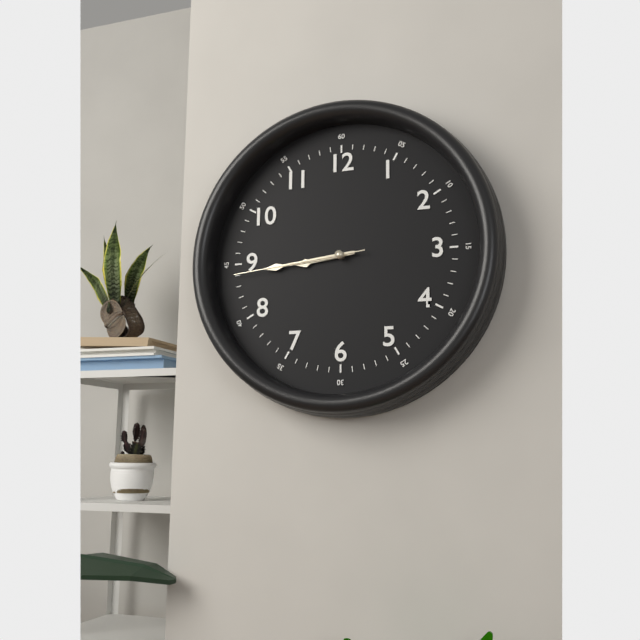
8:44:44
